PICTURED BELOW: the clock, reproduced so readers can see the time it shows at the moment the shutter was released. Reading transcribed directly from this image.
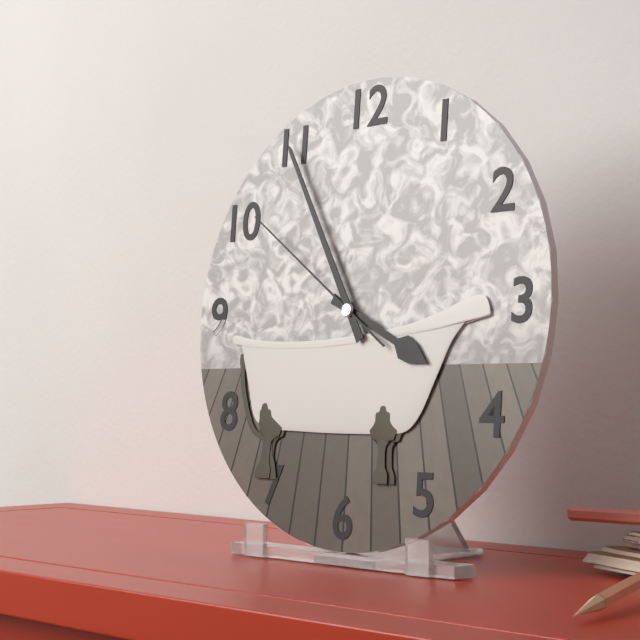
3:55:51
